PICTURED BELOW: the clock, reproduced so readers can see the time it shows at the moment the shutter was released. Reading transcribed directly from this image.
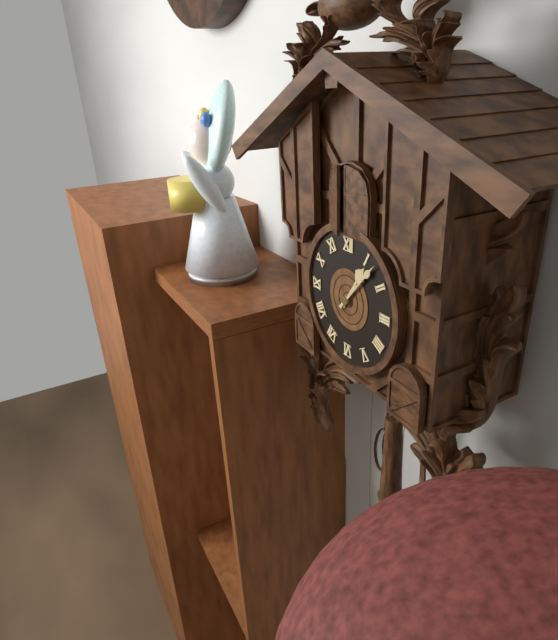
1:07
